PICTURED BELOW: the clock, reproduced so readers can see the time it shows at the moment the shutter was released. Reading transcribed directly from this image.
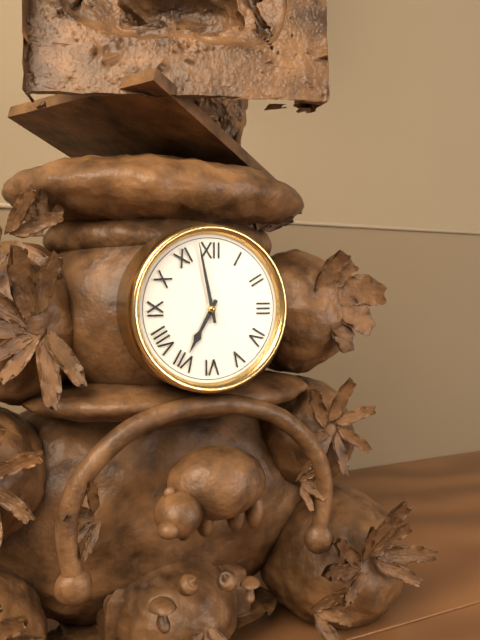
6:58
